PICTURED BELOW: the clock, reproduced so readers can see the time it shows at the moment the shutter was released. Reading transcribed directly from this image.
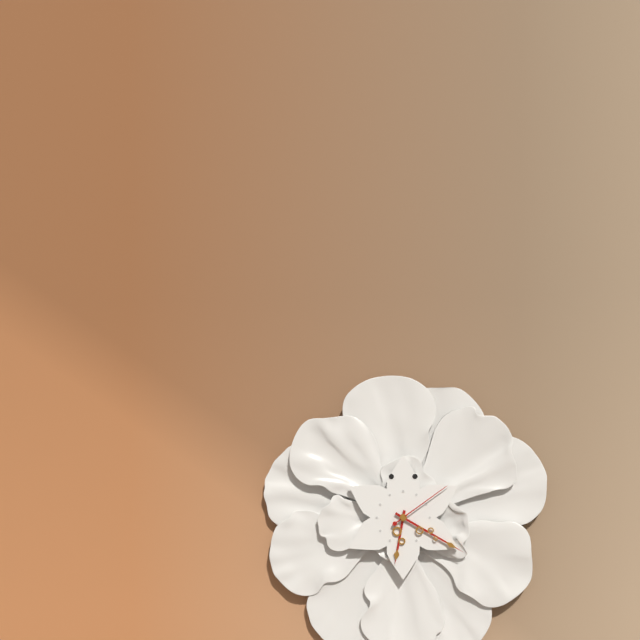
6:20:09
